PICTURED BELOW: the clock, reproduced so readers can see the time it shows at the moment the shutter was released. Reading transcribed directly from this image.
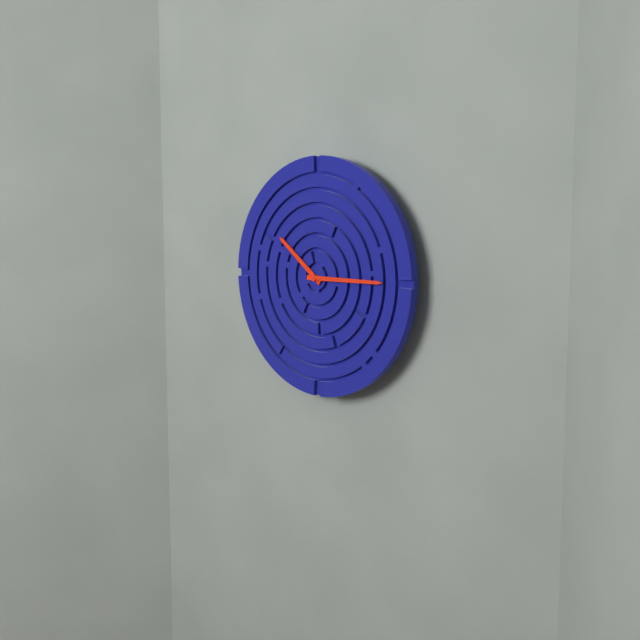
10:15
